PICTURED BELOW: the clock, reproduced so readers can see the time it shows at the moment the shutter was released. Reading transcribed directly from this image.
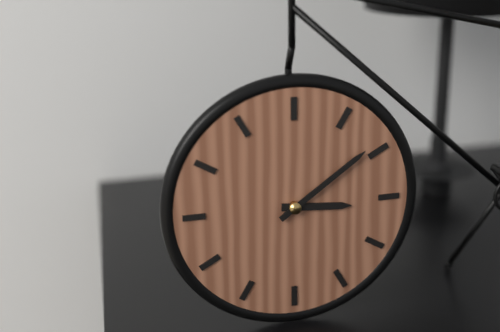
3:09
